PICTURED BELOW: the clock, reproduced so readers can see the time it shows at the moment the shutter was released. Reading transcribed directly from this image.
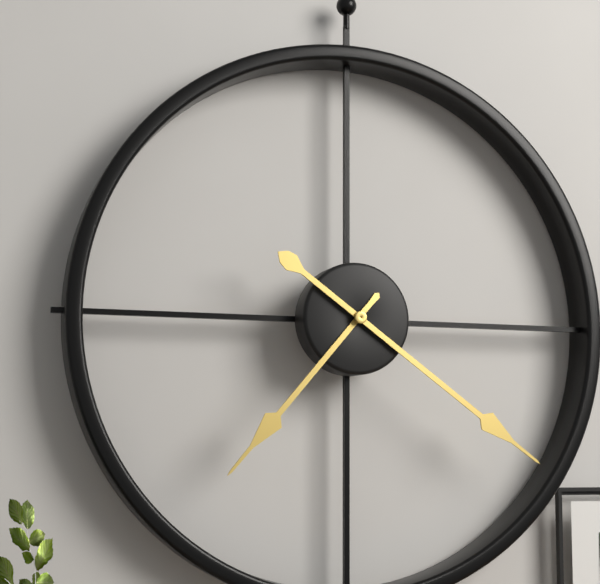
7:21
